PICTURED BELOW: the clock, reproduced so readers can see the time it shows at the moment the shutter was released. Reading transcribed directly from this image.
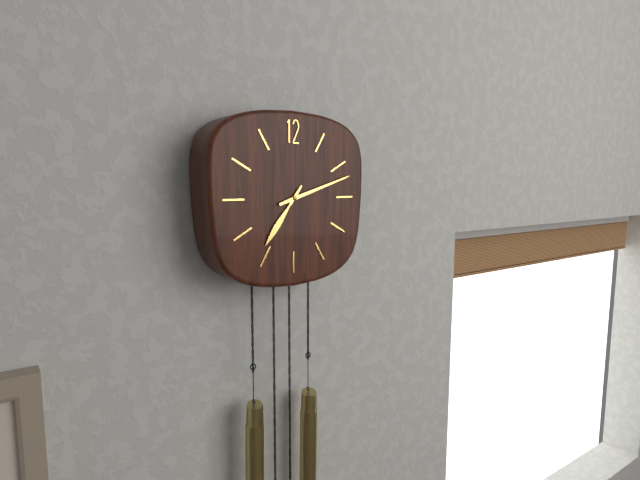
7:12
